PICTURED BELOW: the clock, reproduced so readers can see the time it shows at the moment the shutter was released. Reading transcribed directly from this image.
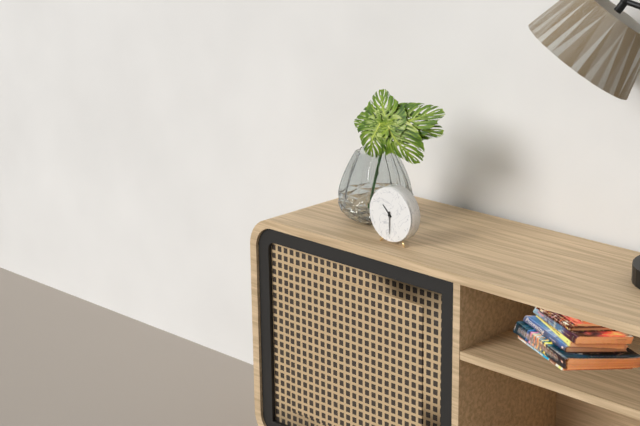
10:30
